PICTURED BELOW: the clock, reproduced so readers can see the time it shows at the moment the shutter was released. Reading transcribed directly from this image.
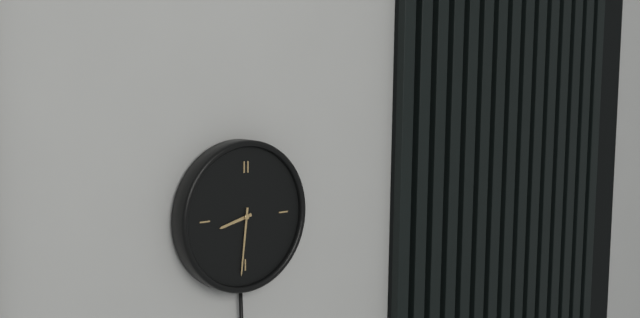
8:31
